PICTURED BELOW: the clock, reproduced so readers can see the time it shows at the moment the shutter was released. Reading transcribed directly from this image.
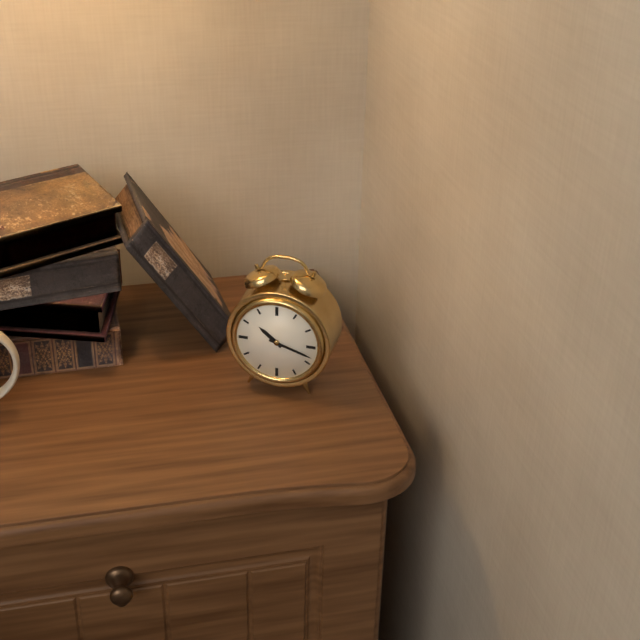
10:18
